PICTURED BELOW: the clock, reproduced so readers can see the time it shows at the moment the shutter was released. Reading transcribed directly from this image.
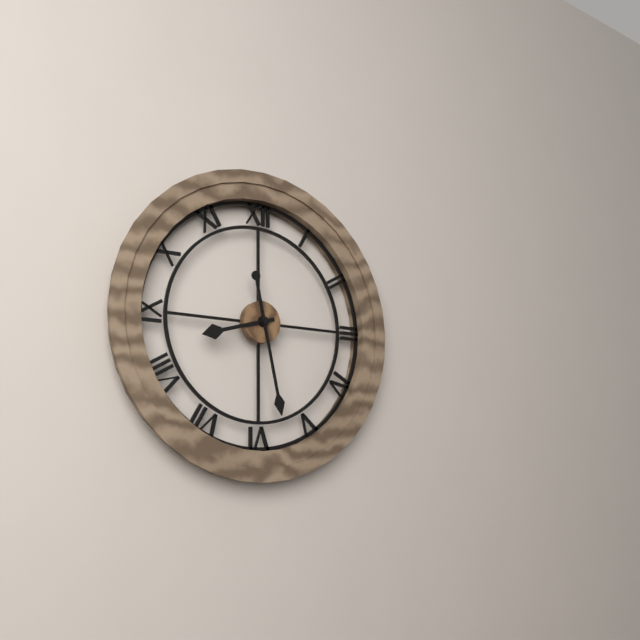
8:28
